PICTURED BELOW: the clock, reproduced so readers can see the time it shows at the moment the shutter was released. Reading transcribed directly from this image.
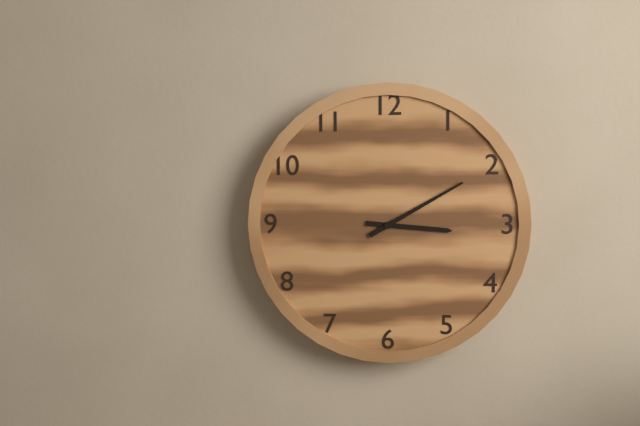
3:10
